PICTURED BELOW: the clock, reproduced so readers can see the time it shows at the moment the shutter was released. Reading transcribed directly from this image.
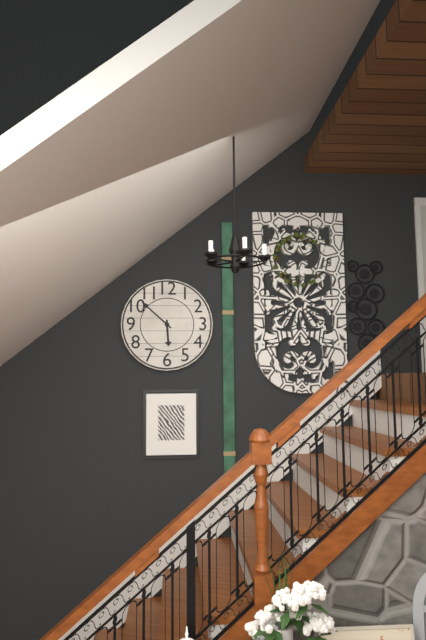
5:52
